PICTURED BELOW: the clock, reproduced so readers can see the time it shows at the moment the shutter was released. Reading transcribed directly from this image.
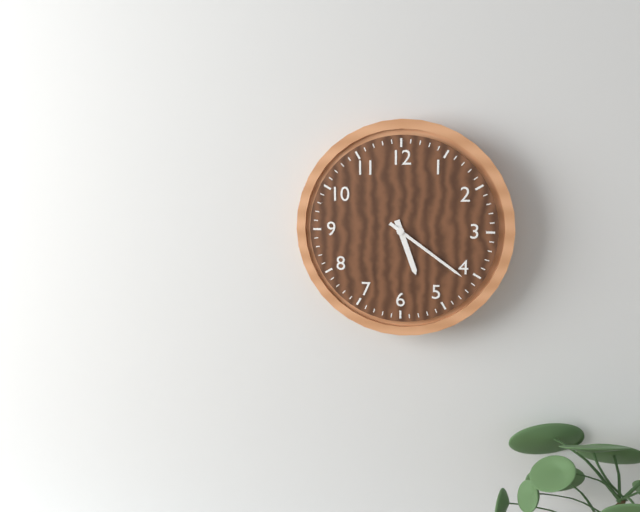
5:21
